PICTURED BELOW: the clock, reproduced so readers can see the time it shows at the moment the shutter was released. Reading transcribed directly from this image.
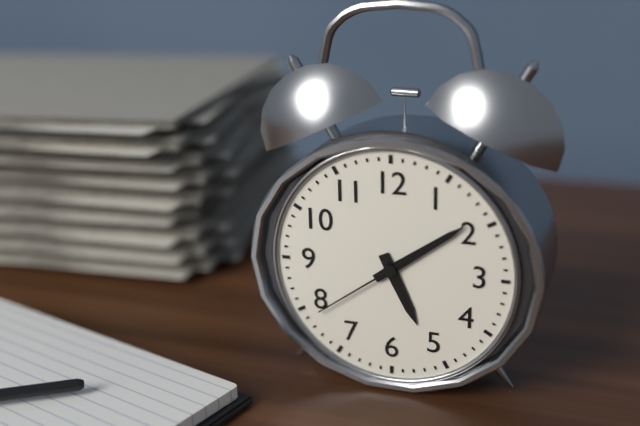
5:09:39
